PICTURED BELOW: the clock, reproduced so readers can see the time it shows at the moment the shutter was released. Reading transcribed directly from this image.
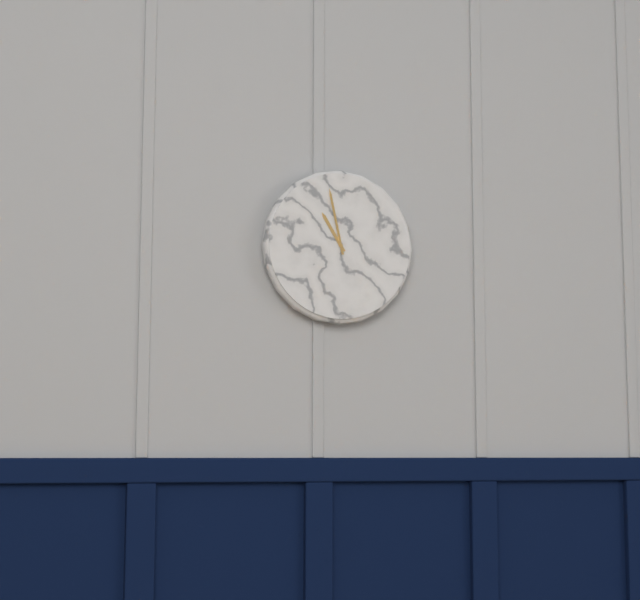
10:58
